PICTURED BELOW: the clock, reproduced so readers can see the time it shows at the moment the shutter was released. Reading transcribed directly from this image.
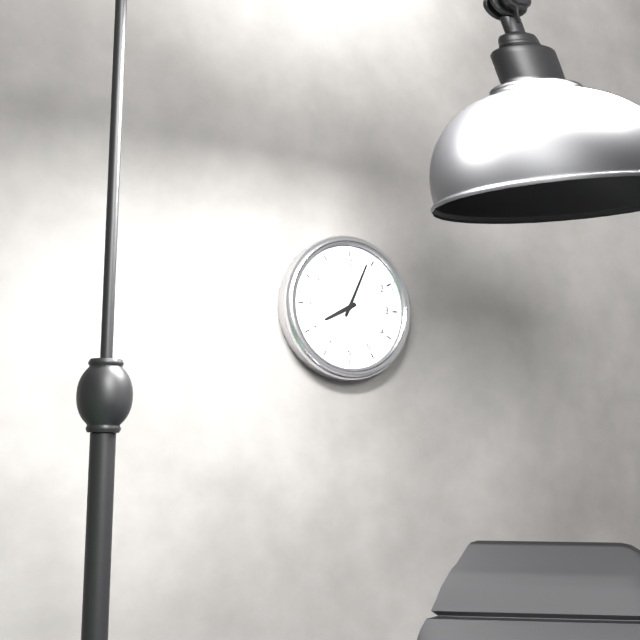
8:04
